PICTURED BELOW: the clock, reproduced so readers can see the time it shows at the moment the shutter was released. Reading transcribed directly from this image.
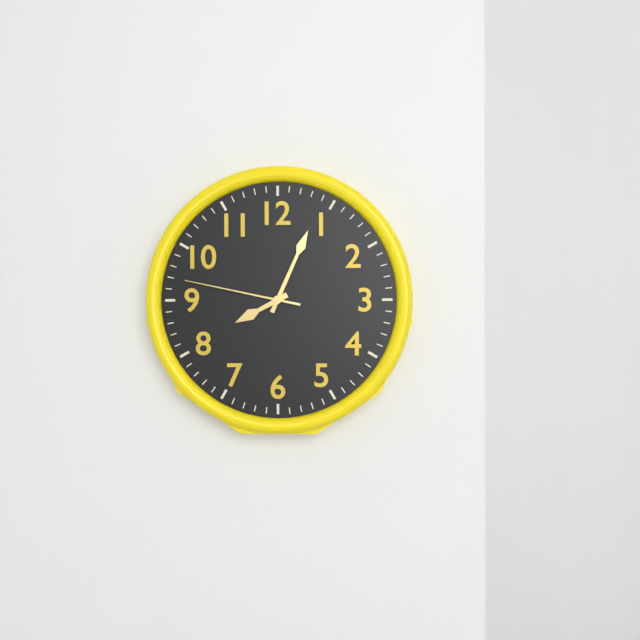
8:04:47
